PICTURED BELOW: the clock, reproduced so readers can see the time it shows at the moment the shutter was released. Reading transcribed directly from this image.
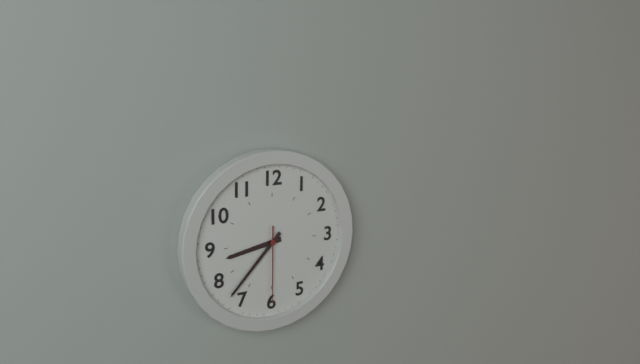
8:37:30
